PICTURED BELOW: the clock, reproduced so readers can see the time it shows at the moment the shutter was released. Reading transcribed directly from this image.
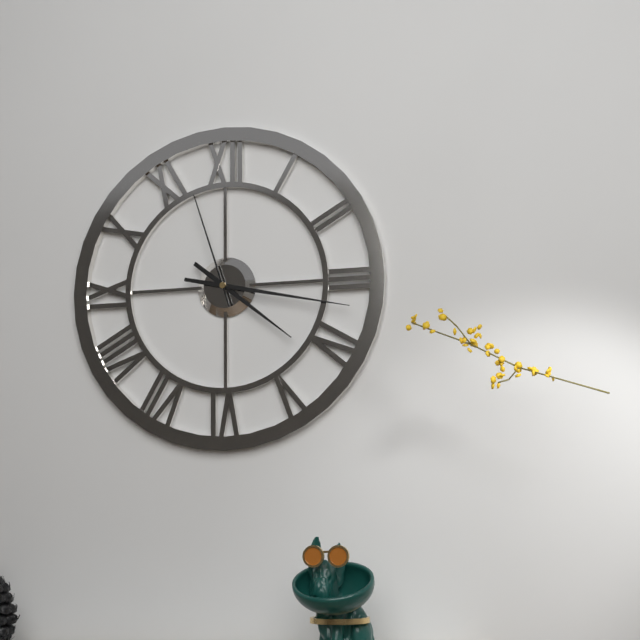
4:17:57
